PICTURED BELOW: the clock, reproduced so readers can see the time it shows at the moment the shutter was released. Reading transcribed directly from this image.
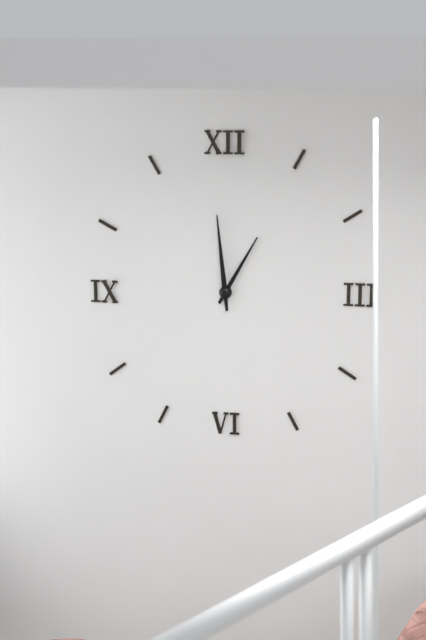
12:59
